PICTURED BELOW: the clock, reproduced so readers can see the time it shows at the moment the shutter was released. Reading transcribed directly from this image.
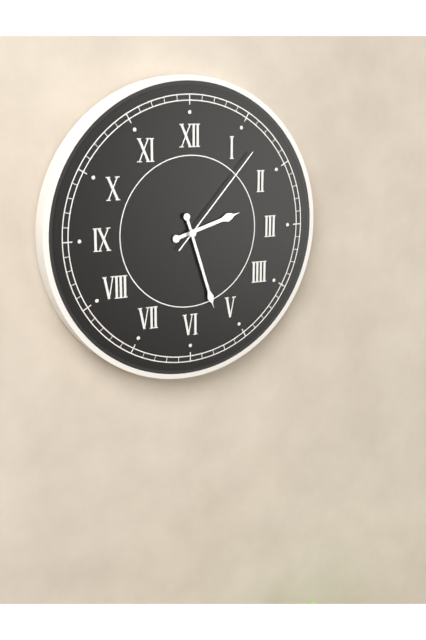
2:27:07
